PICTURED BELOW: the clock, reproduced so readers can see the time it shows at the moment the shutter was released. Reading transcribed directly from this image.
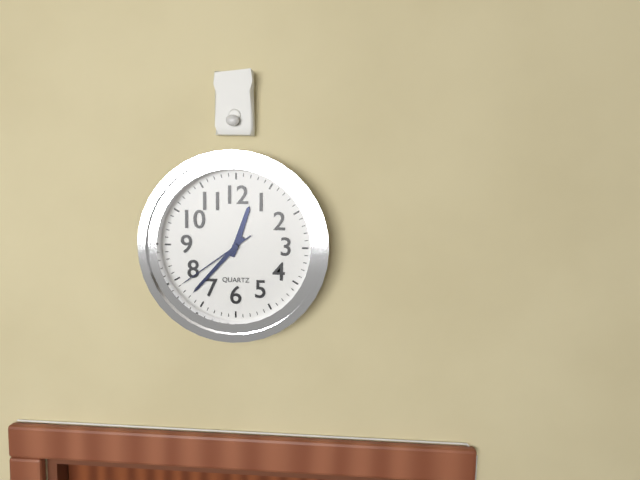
12:37:39
